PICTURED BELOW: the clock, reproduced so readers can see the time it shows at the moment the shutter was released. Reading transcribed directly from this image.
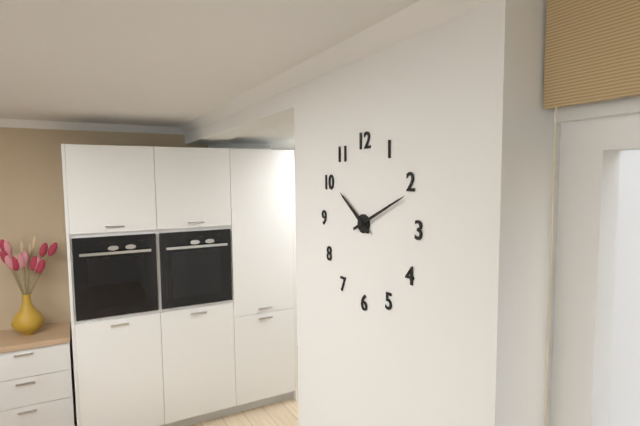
10:11
